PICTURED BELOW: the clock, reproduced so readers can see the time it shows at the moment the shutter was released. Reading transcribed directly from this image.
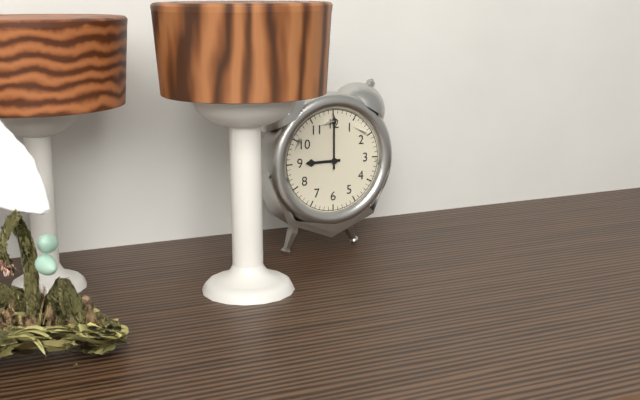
9:00
